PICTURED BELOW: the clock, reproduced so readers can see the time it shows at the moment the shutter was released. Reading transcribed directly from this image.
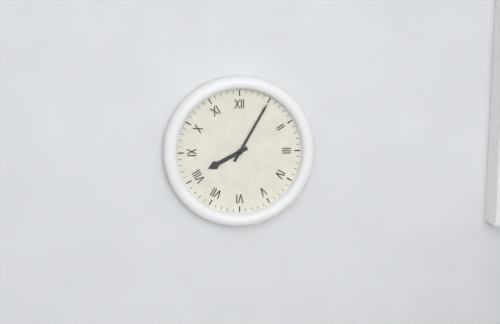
8:05
